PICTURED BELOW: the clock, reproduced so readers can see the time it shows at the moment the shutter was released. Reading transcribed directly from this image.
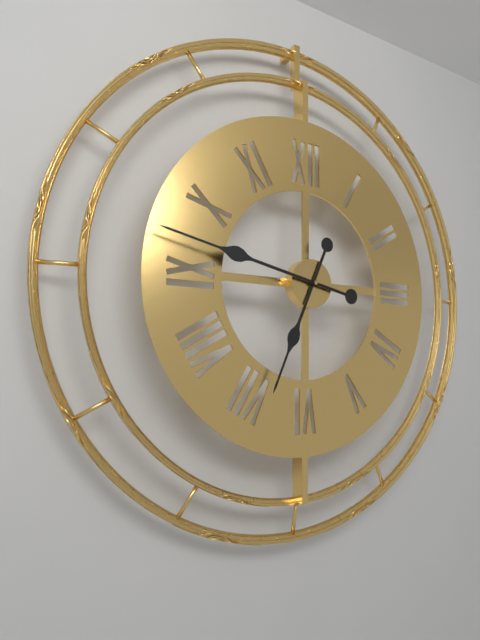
6:47
